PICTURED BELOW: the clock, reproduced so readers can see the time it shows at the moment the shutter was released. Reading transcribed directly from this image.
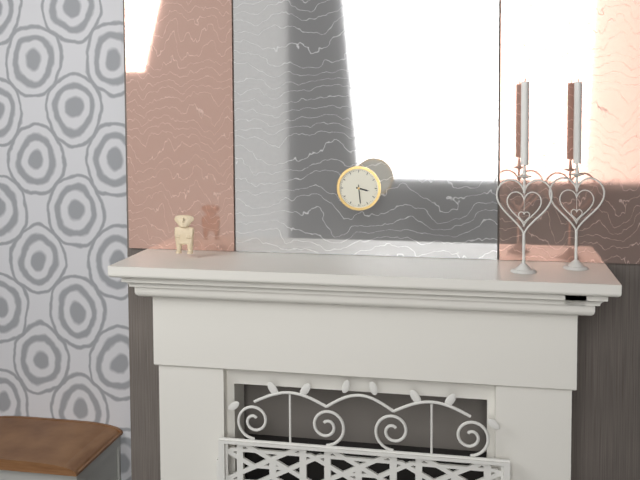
3:29
